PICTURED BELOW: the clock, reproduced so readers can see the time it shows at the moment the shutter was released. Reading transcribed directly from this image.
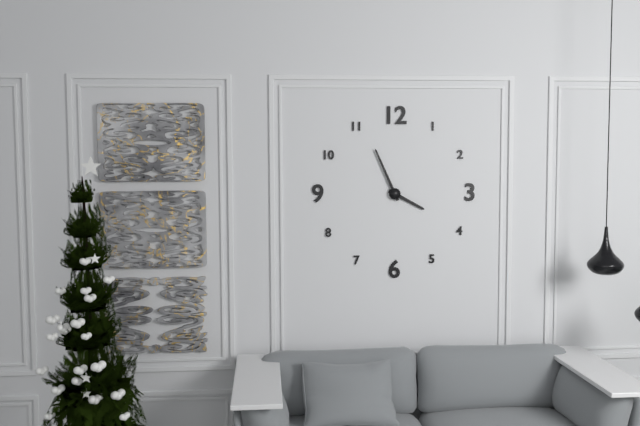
3:56
